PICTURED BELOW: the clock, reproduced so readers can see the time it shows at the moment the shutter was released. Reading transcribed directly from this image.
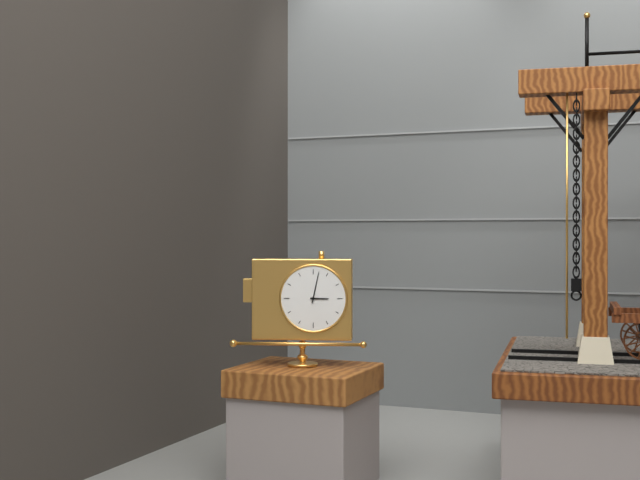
3:02
